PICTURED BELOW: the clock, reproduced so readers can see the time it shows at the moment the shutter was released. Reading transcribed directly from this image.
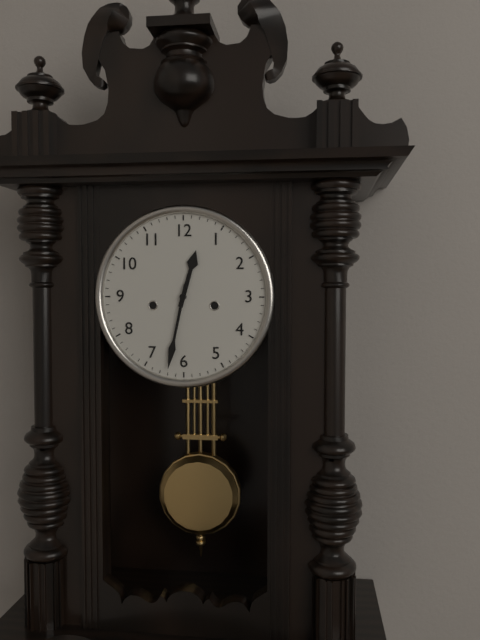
12:32
